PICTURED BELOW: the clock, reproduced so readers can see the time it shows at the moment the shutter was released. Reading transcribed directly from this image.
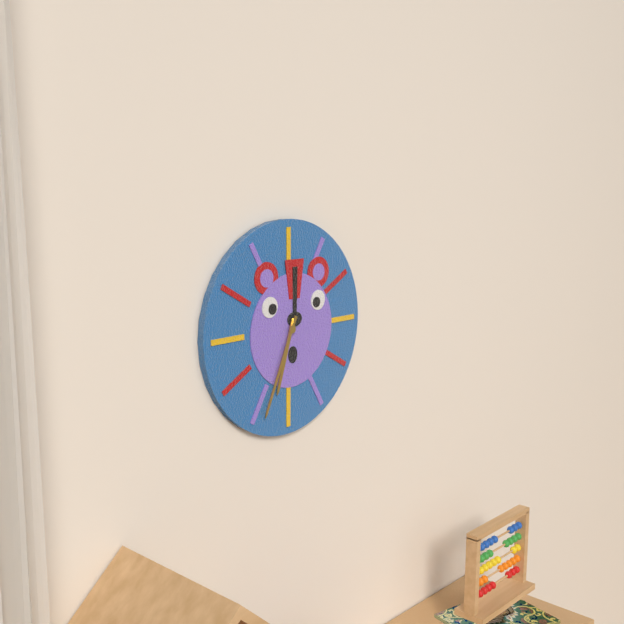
6:34
